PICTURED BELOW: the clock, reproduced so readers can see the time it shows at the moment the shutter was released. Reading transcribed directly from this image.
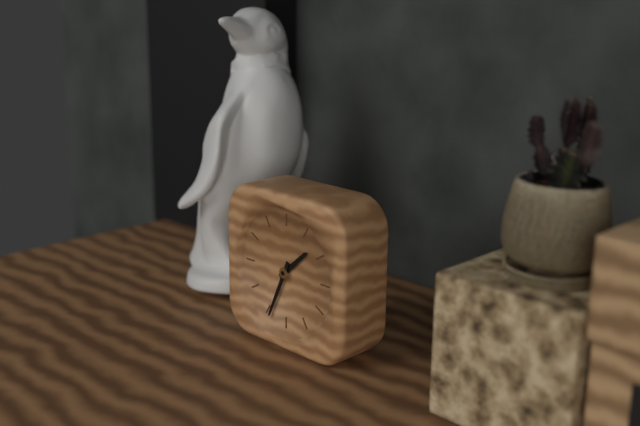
1:34
